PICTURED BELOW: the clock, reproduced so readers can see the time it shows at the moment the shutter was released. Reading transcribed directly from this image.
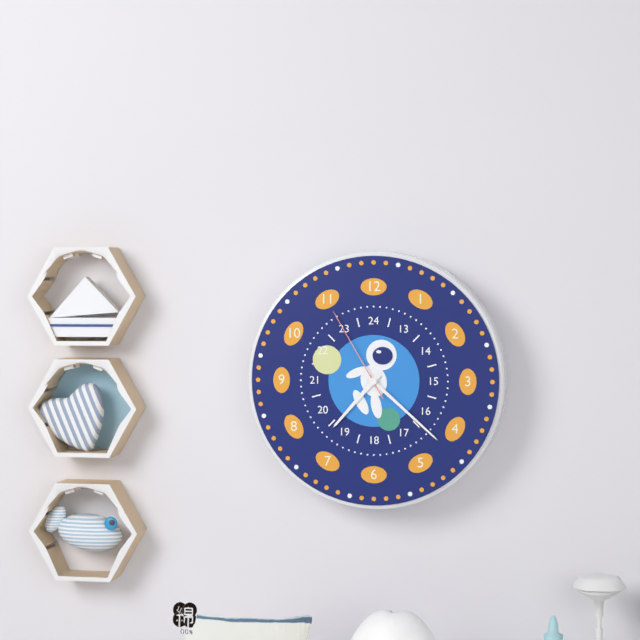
7:22:55
